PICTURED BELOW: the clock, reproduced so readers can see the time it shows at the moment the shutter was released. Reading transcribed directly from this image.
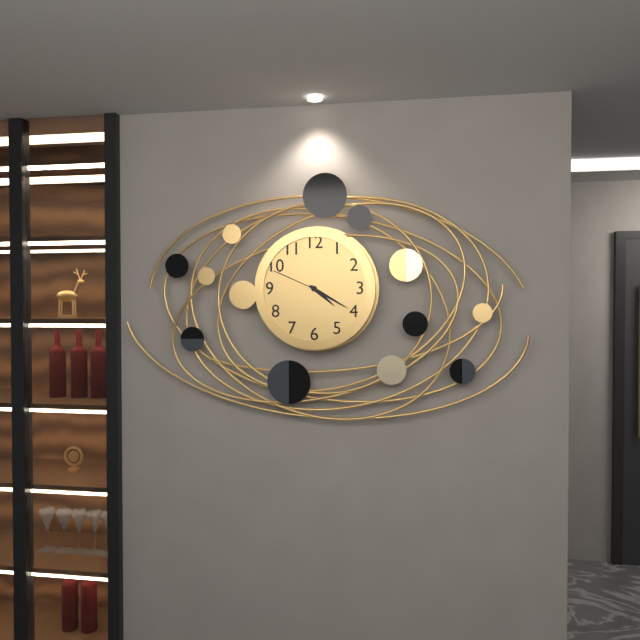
4:20:49
